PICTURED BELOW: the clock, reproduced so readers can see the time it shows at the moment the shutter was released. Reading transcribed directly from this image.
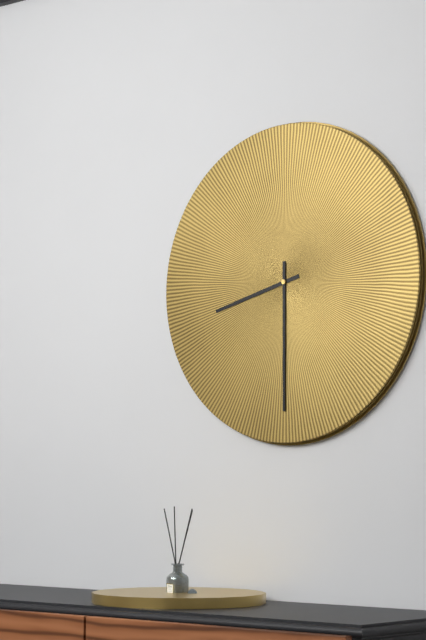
8:30
